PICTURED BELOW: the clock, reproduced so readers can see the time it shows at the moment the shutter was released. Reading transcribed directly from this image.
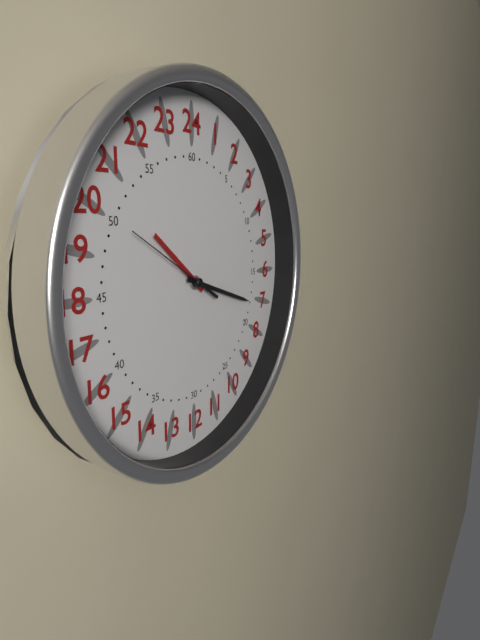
10:18:50
